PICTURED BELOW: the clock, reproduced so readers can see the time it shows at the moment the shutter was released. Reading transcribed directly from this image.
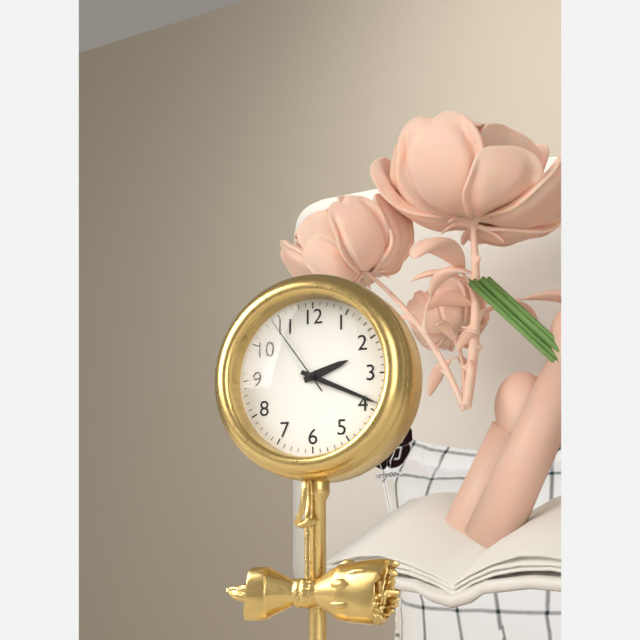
2:19:54
